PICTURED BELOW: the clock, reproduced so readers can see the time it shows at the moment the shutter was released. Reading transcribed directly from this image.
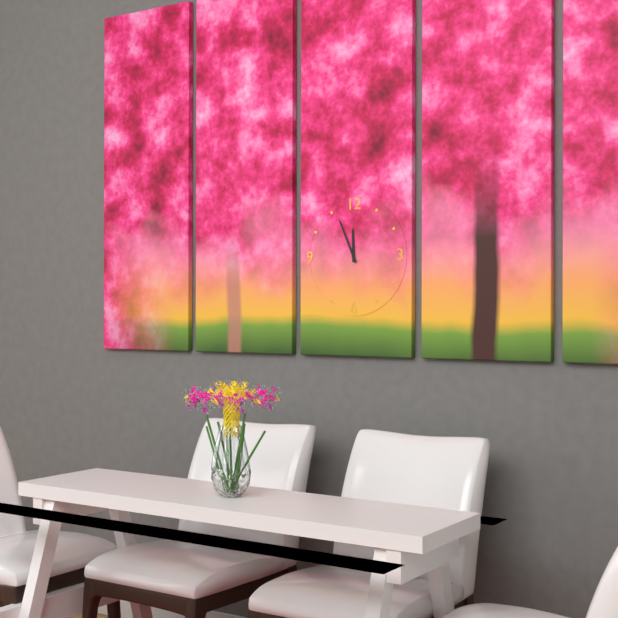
11:56
